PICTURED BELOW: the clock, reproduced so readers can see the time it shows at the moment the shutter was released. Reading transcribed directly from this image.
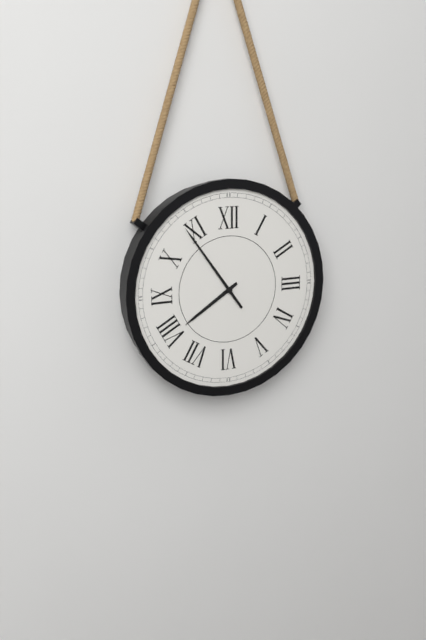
7:54
